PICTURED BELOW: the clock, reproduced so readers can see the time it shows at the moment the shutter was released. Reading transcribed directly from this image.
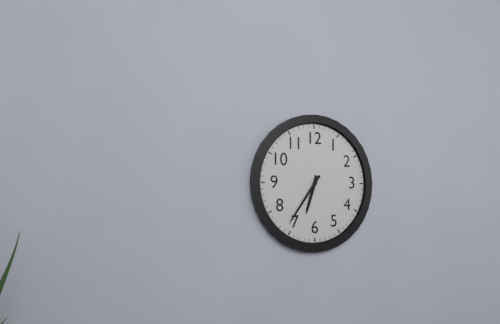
6:36
